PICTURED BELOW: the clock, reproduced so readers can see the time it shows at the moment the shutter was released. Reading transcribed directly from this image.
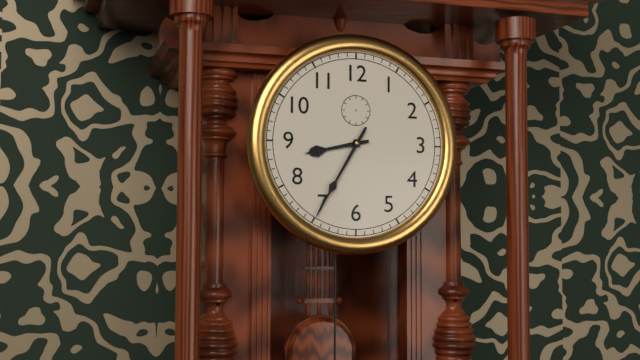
8:35
